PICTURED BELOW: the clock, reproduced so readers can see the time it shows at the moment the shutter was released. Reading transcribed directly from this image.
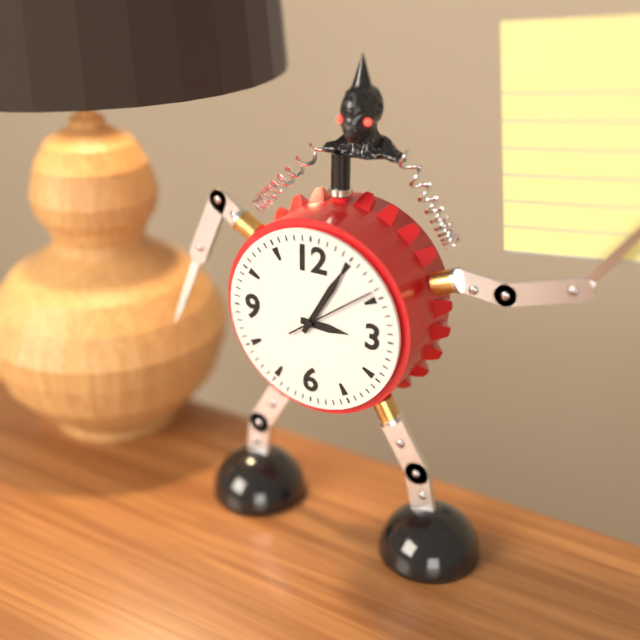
3:05:09
